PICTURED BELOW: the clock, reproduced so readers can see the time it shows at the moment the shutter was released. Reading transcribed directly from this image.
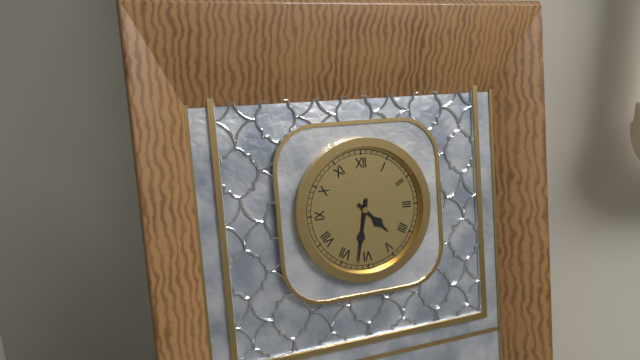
4:32
